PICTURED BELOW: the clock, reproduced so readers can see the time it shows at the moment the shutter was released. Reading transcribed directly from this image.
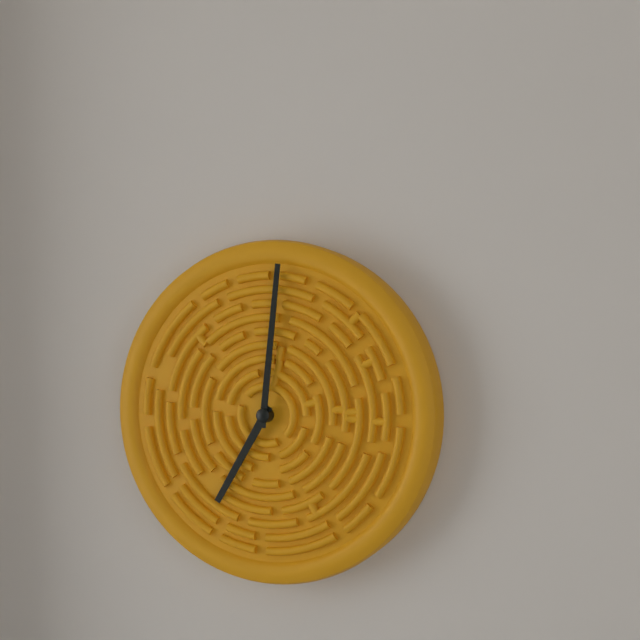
7:01
